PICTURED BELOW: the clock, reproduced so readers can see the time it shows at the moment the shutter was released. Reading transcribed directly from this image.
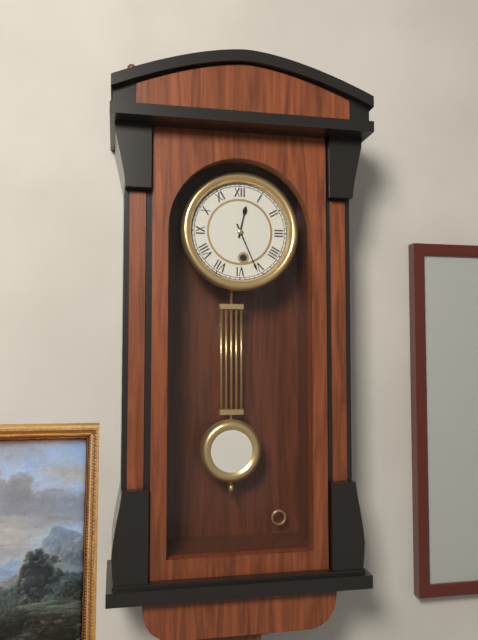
12:26
